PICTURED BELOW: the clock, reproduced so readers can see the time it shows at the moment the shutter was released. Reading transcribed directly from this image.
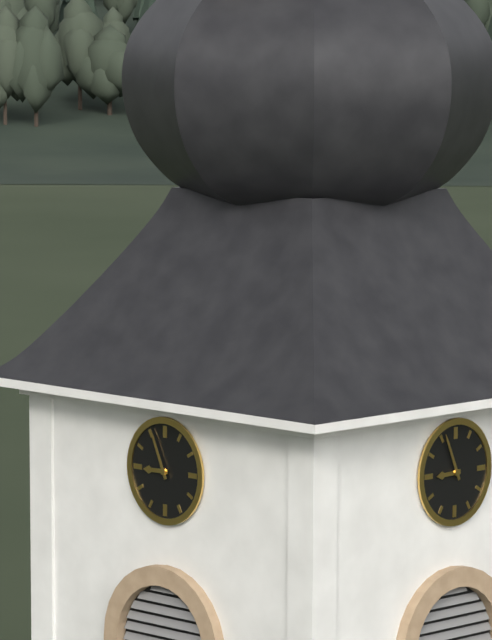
8:56
